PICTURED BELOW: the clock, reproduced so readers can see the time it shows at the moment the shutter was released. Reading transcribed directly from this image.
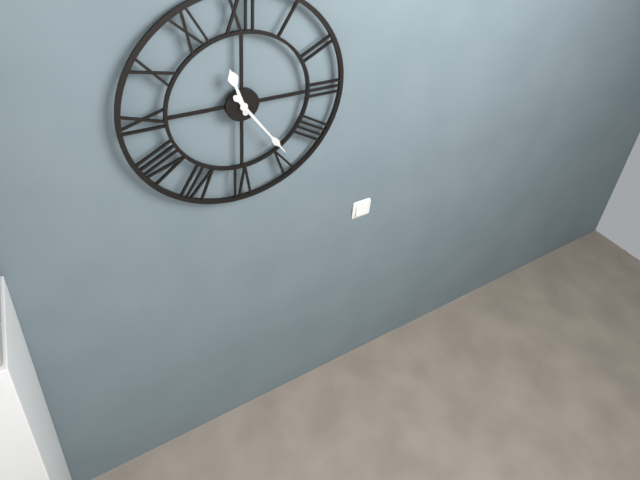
11:24
